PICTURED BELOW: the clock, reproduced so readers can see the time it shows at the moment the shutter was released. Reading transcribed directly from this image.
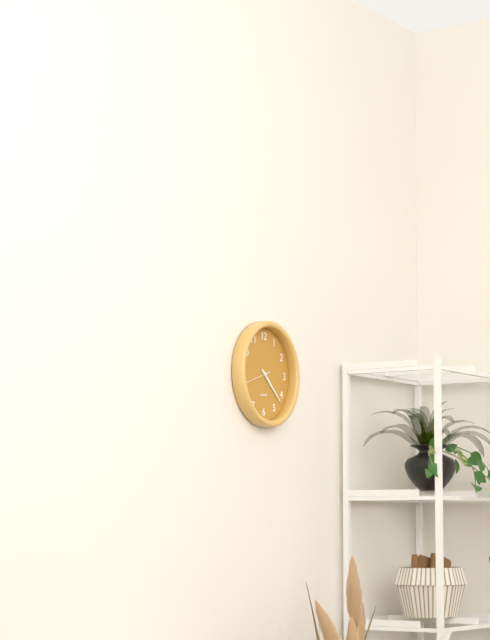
4:22
